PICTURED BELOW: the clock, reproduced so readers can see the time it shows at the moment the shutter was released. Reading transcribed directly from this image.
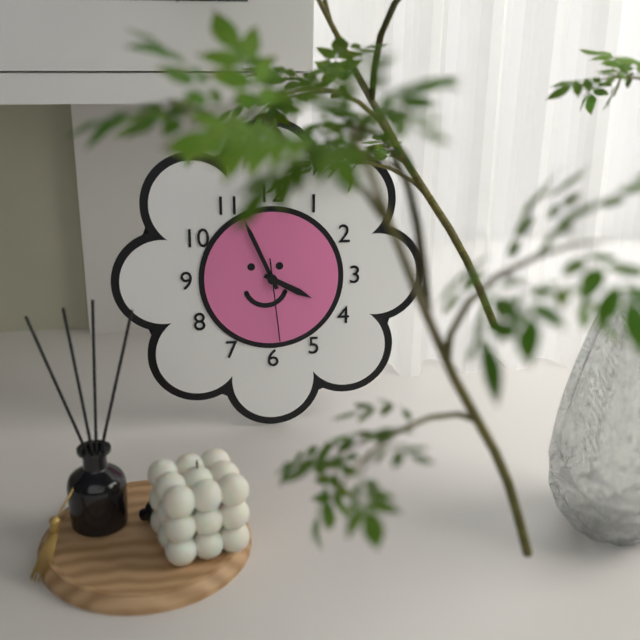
3:56:29
